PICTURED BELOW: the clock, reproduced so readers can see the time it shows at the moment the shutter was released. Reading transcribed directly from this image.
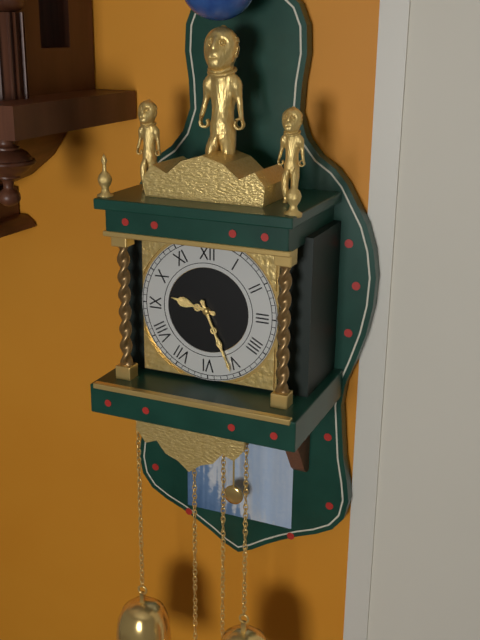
9:26
